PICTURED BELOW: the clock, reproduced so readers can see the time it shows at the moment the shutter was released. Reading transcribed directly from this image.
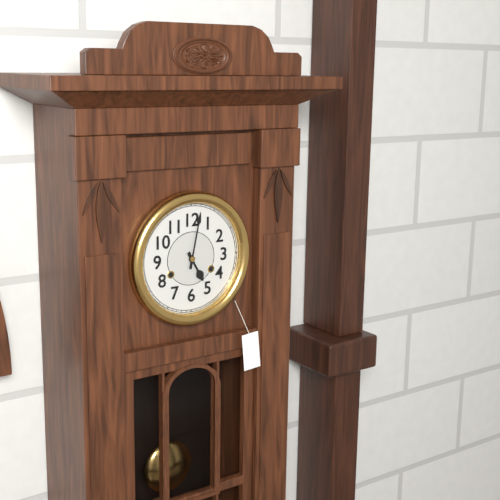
5:02
